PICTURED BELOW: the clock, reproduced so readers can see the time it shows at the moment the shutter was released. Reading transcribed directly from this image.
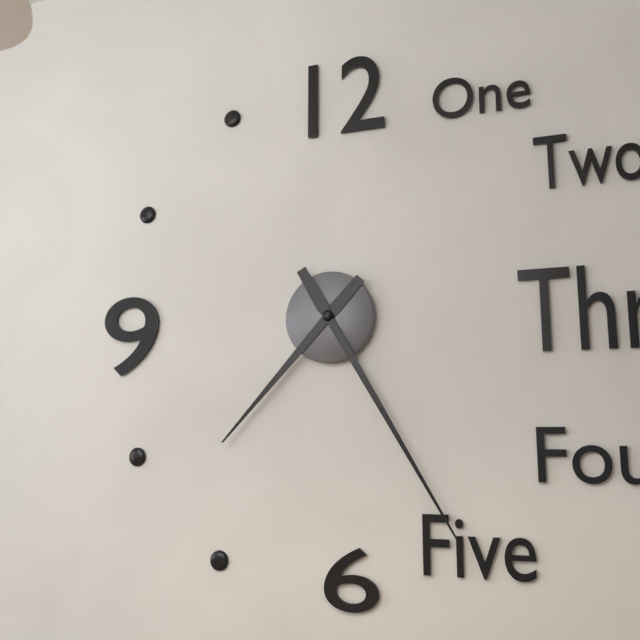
7:25
